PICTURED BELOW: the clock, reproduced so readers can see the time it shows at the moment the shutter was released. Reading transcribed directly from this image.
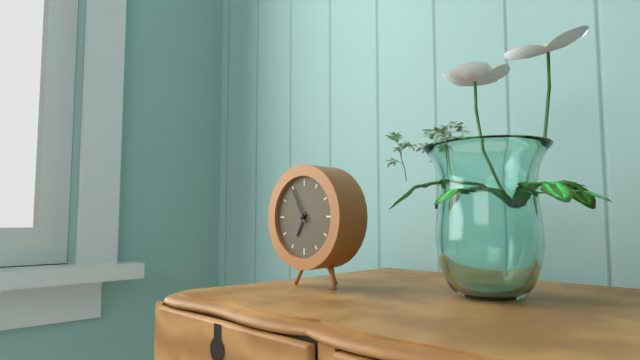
6:55
